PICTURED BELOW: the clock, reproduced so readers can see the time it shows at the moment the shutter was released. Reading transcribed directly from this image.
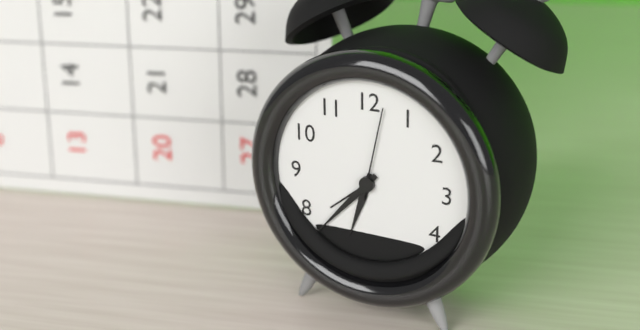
6:37:02
